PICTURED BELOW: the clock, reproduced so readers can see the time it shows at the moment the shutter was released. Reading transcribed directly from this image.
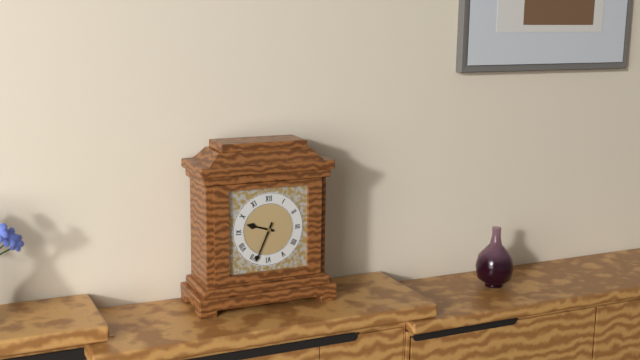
9:34
